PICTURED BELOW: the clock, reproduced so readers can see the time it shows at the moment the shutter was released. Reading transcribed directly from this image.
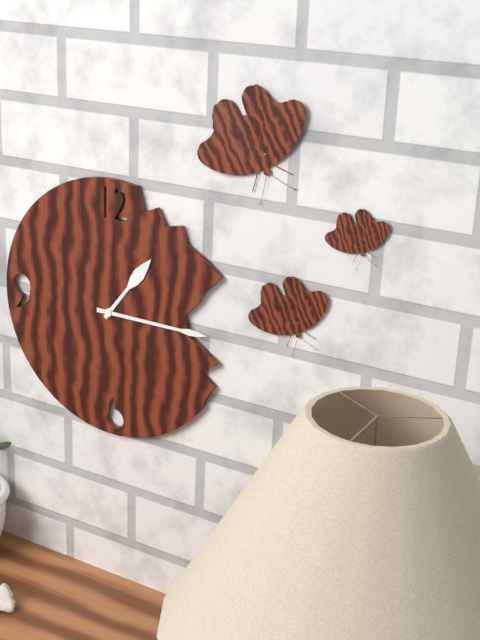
1:15
